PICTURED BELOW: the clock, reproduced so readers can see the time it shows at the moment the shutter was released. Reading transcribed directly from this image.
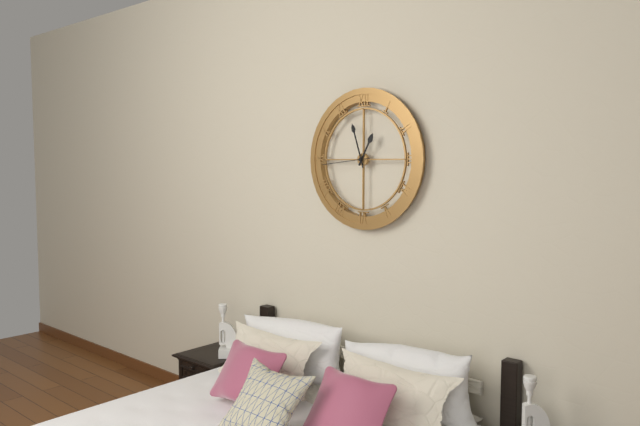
12:57
